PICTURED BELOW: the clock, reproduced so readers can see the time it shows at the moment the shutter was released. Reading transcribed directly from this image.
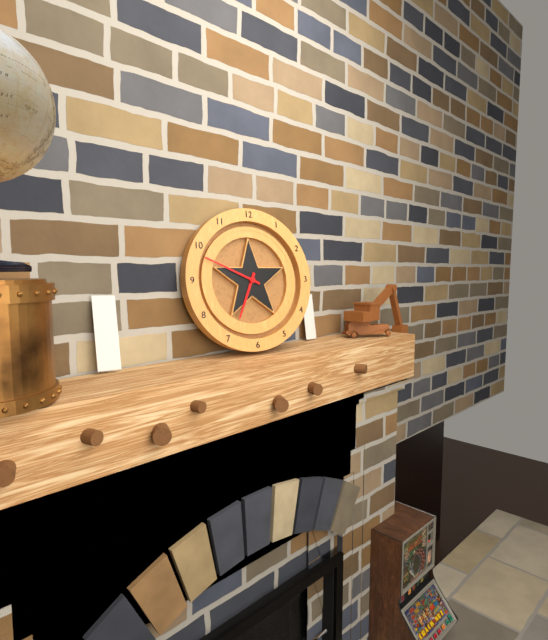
6:49
